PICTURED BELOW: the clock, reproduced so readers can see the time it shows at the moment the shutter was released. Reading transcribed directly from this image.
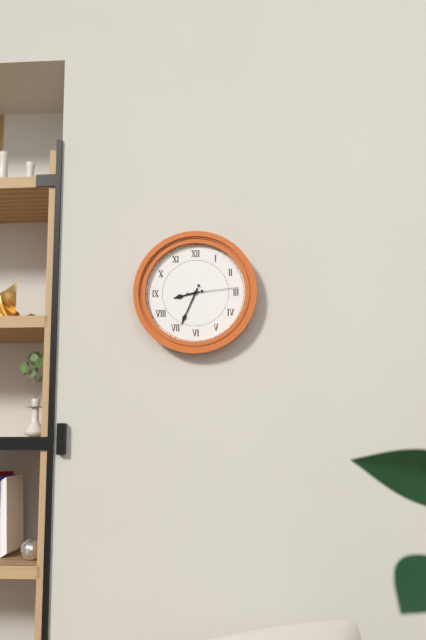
8:34:14
